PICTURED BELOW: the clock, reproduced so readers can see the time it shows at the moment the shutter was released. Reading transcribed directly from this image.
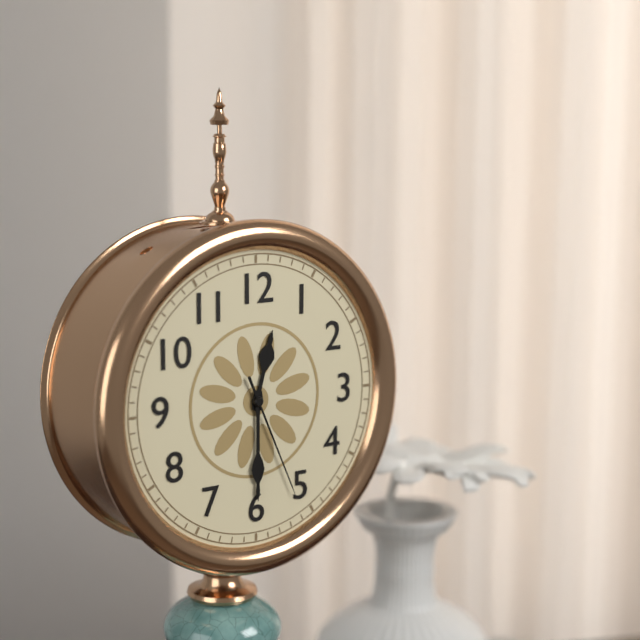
12:30:26
